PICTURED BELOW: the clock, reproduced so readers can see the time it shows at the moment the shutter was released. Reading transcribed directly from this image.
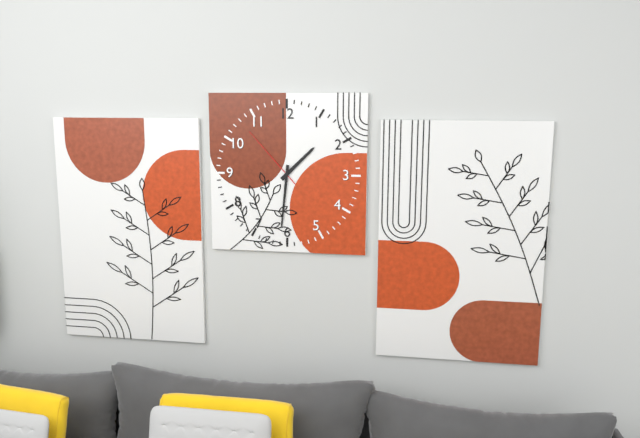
1:31:53
